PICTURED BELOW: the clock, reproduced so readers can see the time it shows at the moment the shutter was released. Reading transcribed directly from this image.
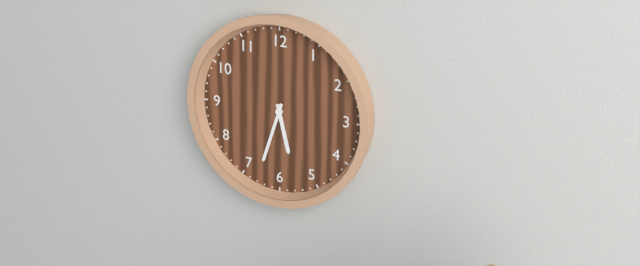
5:33
